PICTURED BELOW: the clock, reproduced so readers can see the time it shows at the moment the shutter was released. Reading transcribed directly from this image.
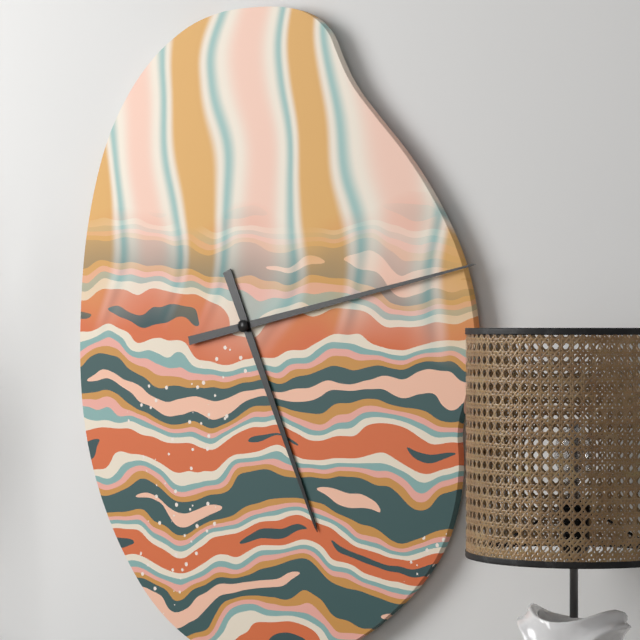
5:13
